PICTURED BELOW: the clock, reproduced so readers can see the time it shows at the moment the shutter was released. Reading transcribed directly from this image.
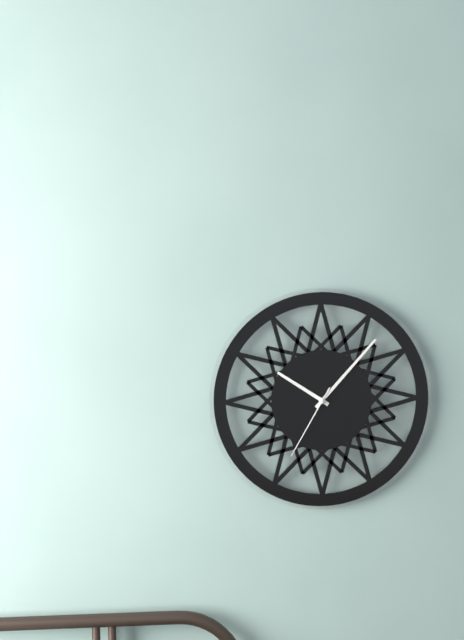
10:07:35
